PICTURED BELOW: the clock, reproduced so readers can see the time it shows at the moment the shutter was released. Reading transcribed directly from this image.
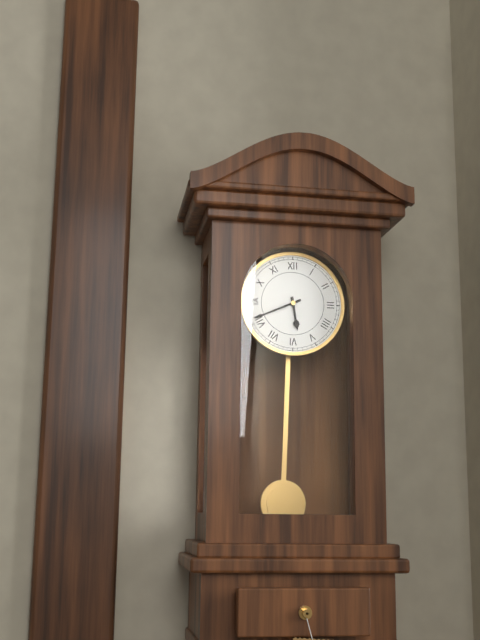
5:41
